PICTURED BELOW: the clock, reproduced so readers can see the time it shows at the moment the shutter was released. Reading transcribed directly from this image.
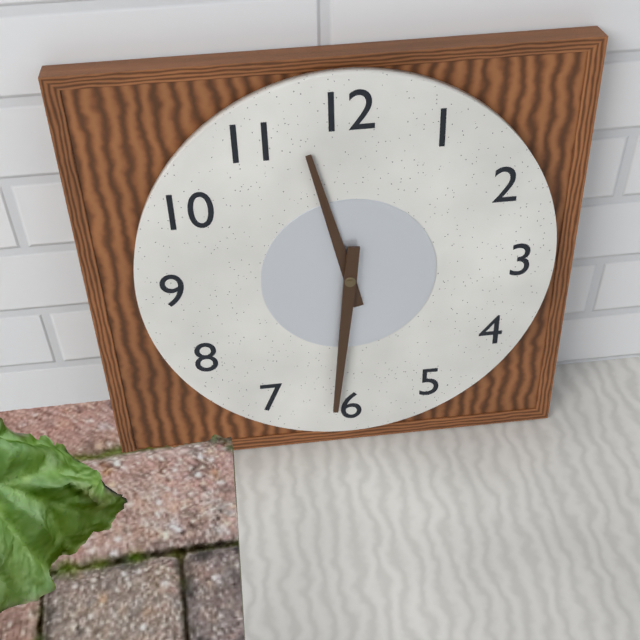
11:31
